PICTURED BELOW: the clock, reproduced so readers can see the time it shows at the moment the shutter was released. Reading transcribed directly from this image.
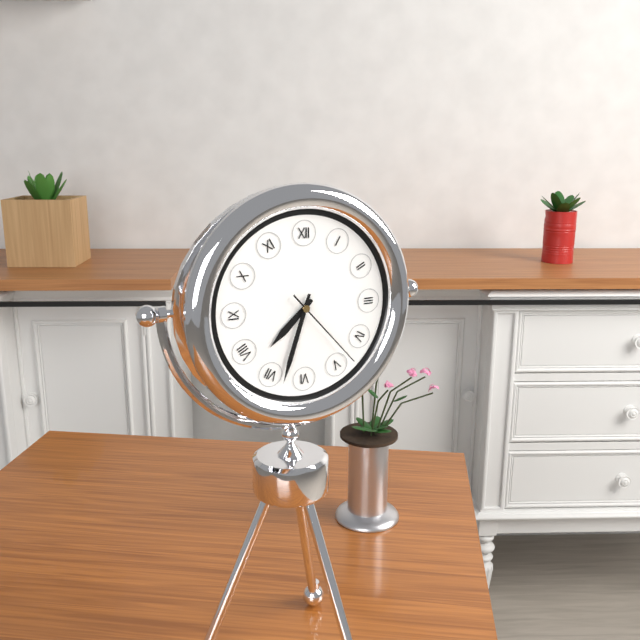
7:33:23
